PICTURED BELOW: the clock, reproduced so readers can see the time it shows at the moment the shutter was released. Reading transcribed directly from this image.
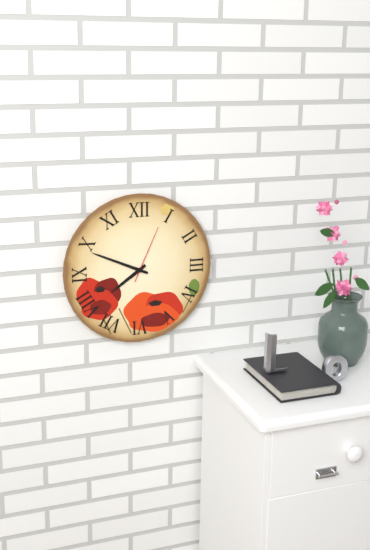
7:49:04
